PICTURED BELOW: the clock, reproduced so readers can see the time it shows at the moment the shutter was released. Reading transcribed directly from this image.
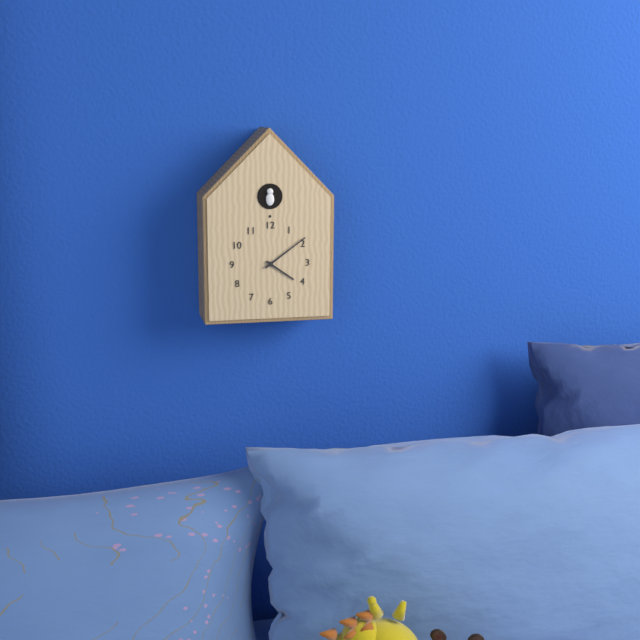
4:09
